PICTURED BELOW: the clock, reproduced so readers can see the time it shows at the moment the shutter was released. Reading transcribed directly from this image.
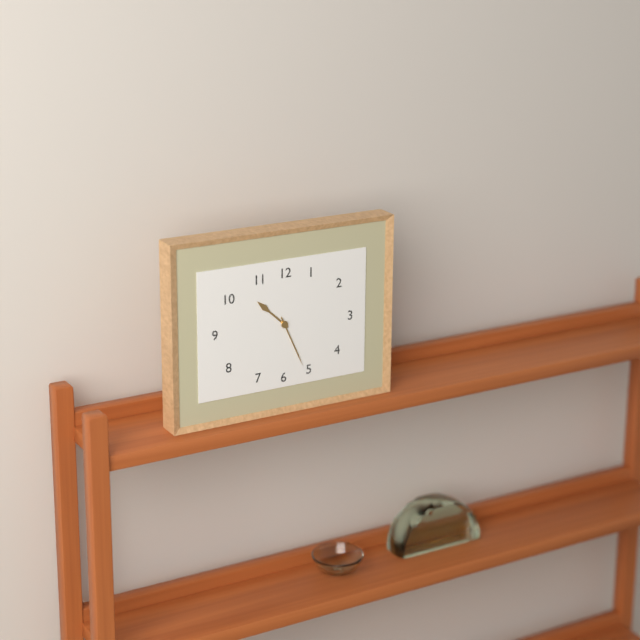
10:26
